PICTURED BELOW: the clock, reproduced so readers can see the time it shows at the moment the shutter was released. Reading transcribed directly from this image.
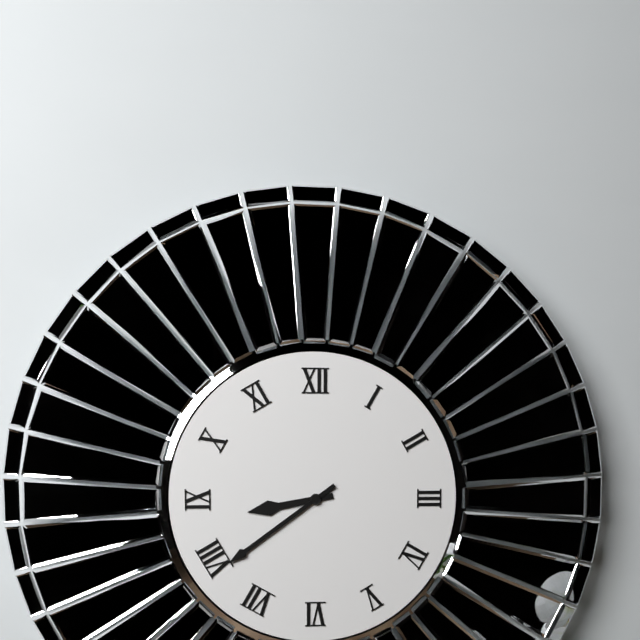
8:39
